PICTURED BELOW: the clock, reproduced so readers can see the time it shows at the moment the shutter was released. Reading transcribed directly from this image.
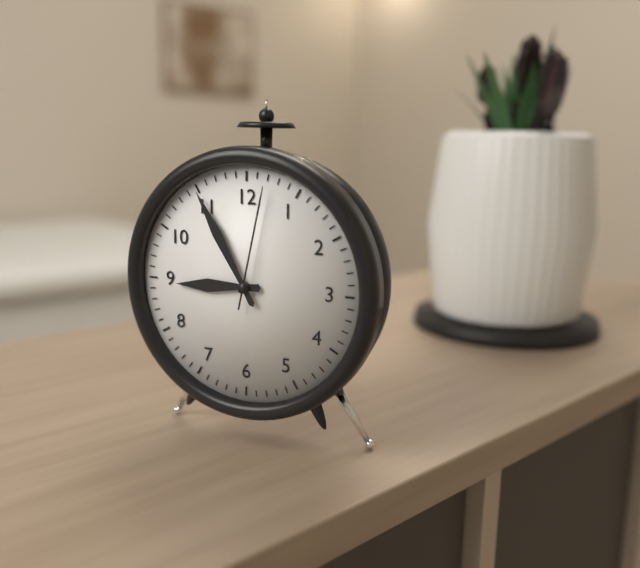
8:55:02
